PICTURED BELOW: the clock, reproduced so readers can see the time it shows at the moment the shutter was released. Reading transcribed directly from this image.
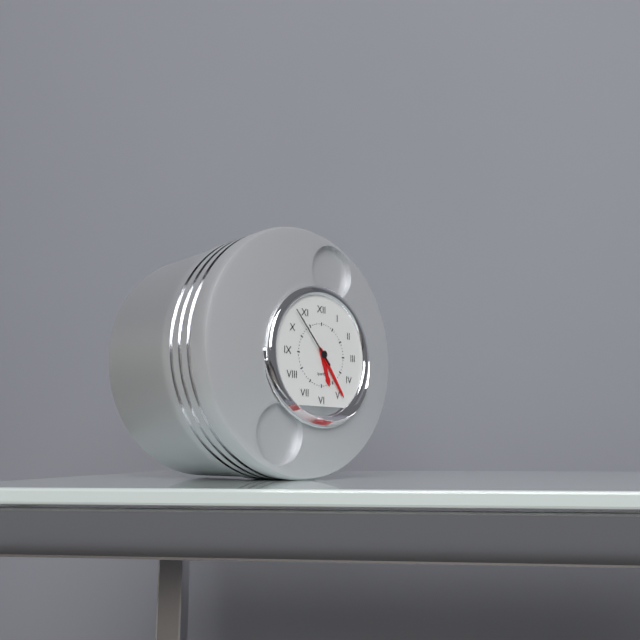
5:24:53
